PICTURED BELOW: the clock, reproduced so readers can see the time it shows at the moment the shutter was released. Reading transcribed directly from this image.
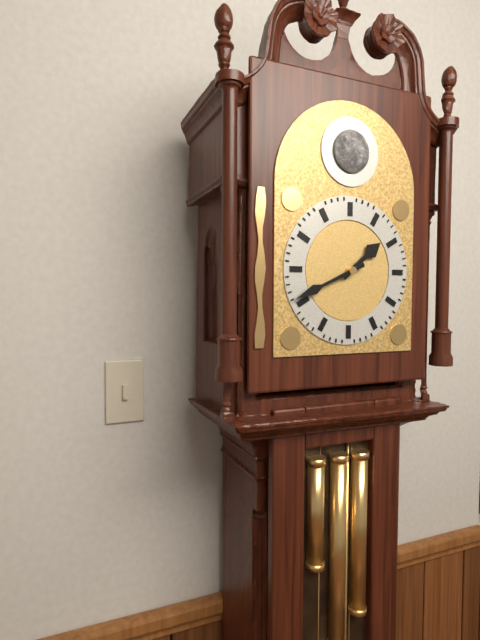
1:41
